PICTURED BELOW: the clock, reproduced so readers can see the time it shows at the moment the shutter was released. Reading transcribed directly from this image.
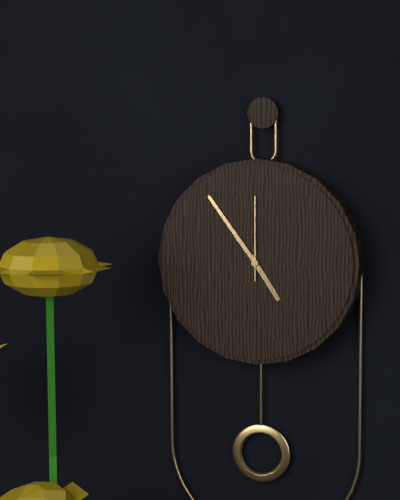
4:54:00
